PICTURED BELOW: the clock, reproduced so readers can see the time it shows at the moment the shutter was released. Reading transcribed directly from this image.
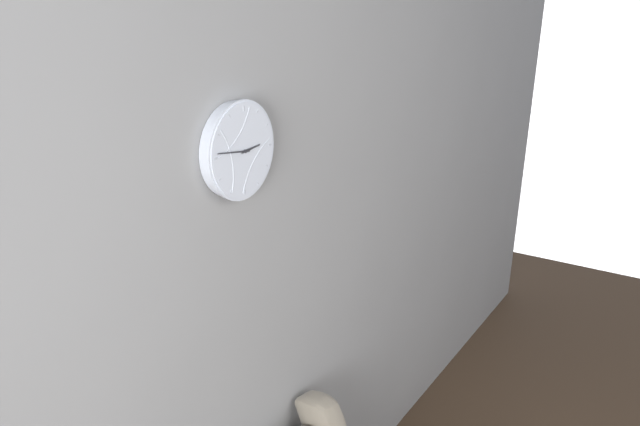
2:46
